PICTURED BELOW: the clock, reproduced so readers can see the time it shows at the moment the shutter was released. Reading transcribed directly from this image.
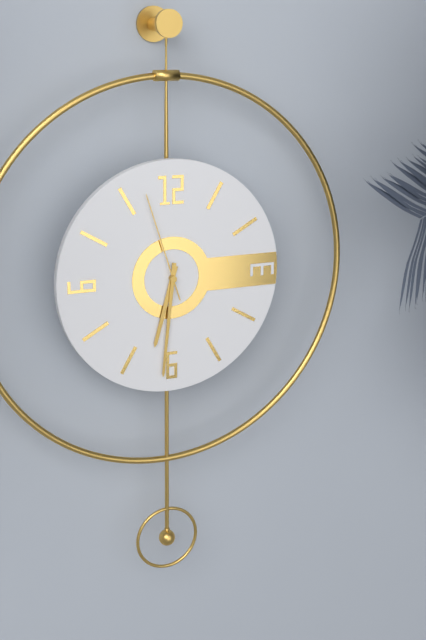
6:31:57
